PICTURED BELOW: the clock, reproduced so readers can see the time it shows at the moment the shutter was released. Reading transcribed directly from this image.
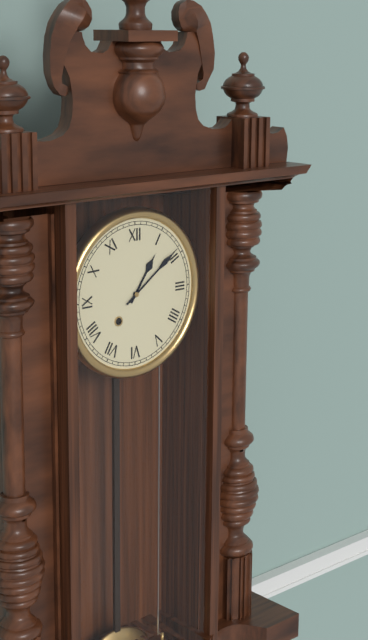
1:09
